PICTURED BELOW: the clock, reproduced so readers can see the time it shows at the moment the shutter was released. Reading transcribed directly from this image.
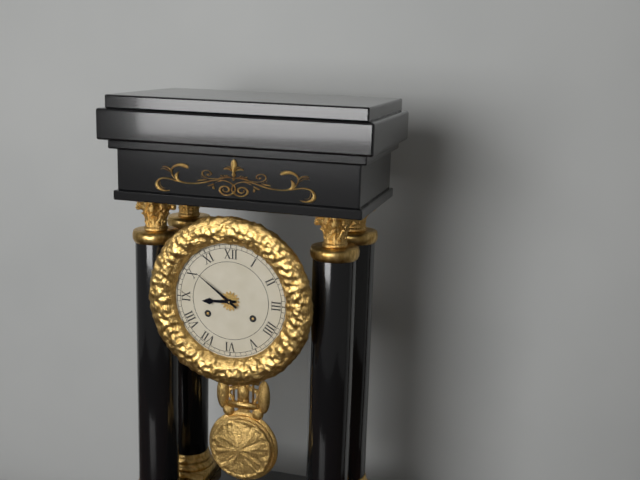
8:51
